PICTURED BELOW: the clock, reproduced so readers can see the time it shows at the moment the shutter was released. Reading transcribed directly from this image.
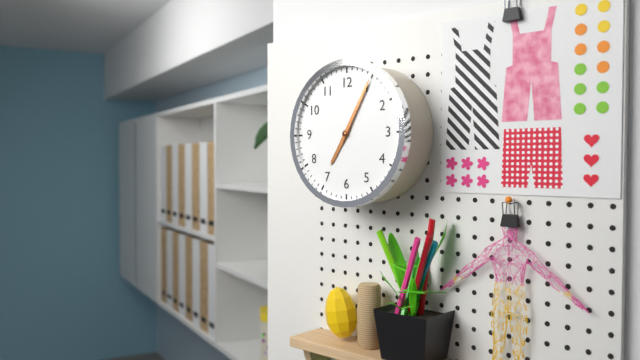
7:05
